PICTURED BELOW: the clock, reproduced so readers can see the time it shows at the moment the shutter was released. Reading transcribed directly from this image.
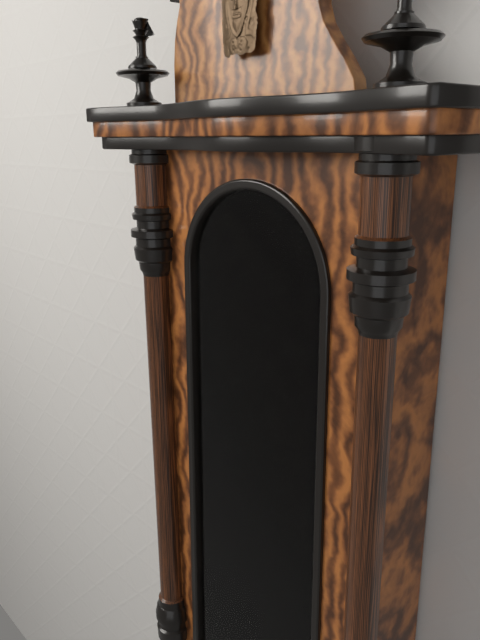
8:03
